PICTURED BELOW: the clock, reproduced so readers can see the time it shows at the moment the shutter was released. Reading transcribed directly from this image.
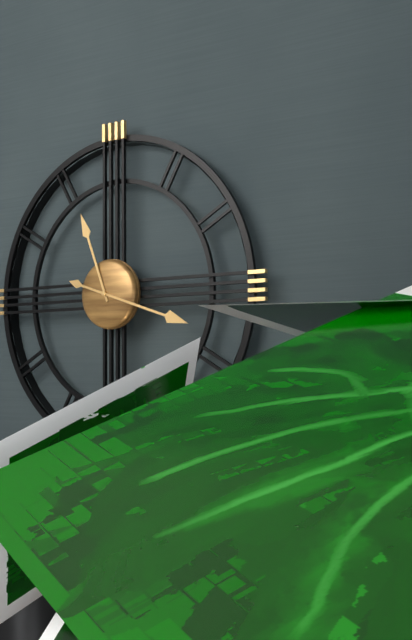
11:18
